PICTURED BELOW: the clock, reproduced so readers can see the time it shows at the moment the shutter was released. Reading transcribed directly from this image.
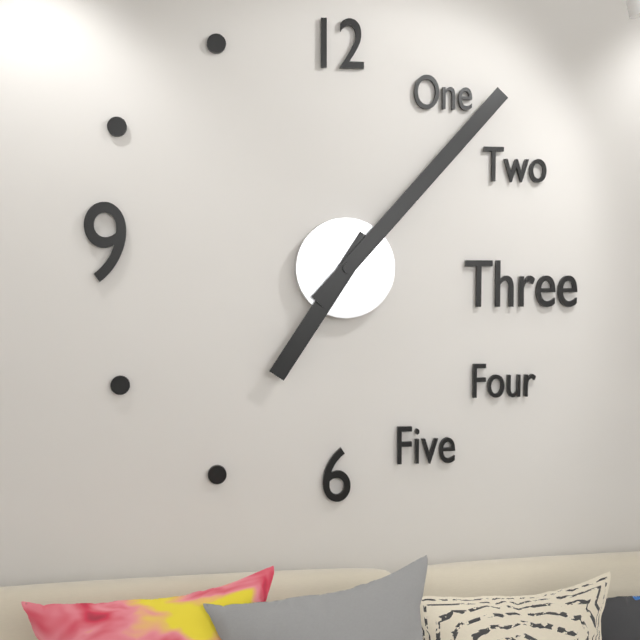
7:07
